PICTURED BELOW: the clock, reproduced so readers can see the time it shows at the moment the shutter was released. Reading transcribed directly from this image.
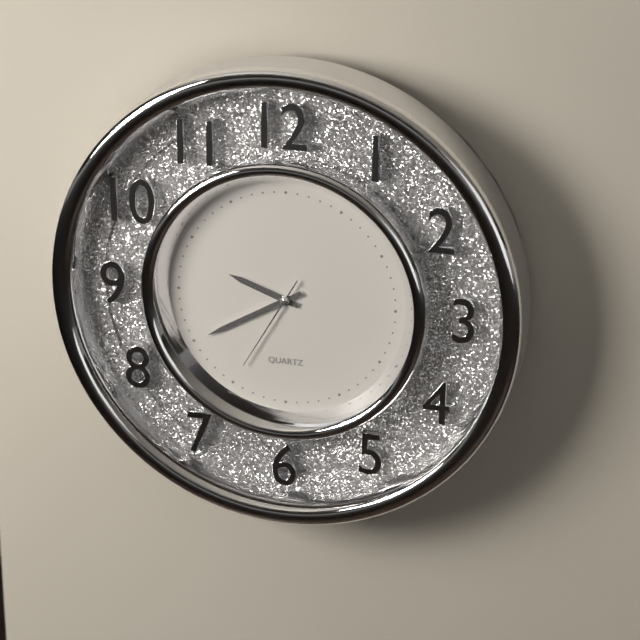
9:40:35
